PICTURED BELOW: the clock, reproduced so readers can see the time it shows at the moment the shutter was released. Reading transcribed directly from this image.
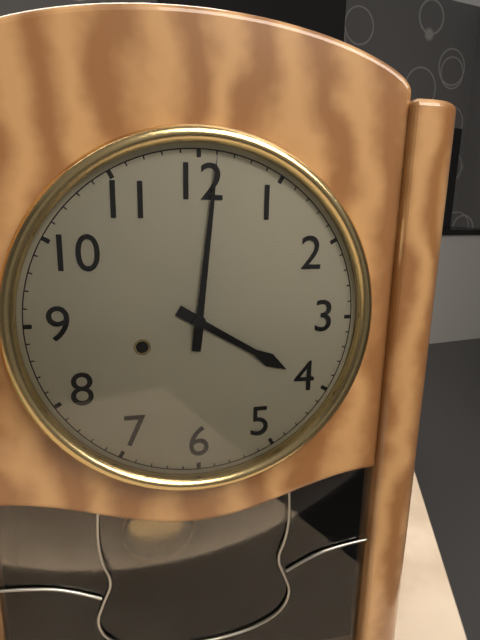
4:01
